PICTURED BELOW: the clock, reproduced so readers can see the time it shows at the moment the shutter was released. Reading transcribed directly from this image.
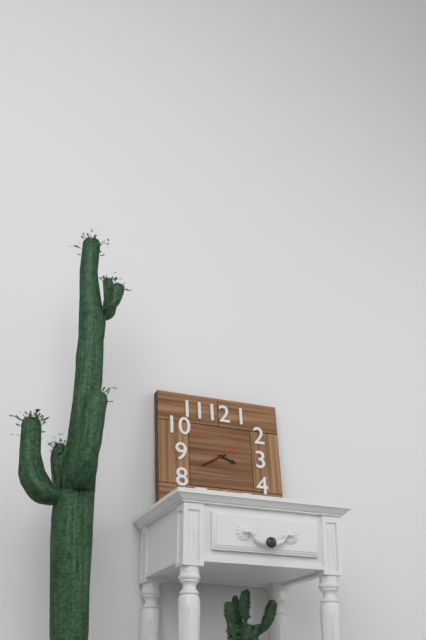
3:40
